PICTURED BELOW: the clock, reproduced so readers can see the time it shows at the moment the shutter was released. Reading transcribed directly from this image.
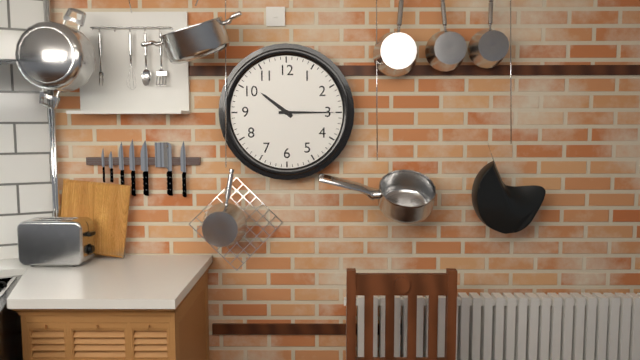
10:15
